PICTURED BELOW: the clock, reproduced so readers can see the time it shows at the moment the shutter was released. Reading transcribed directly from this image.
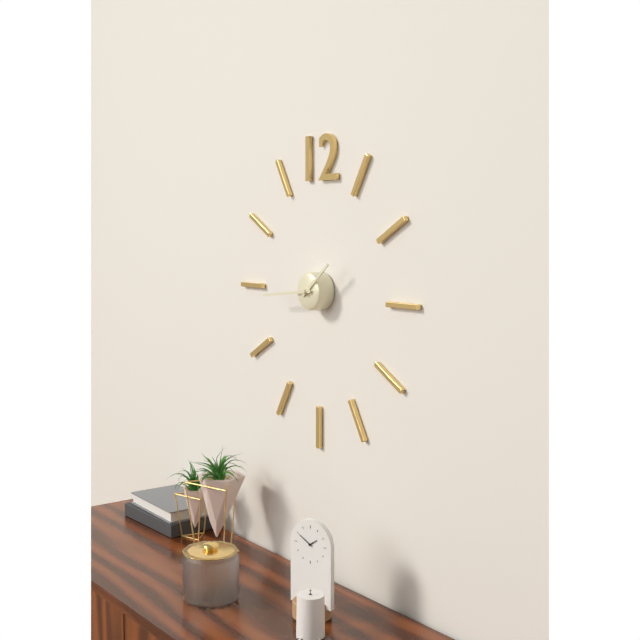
1:44
